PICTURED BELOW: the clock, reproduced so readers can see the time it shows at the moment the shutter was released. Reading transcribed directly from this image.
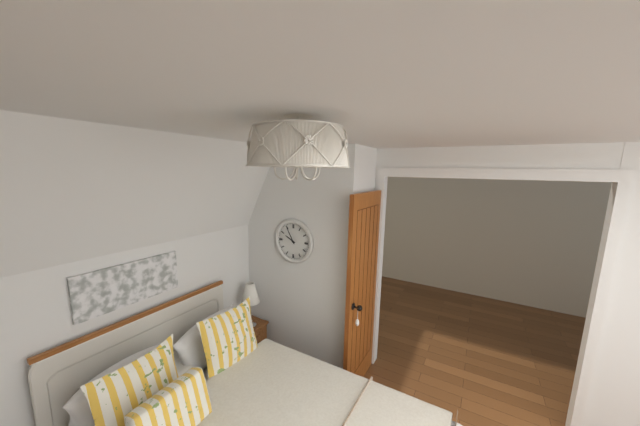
9:55
